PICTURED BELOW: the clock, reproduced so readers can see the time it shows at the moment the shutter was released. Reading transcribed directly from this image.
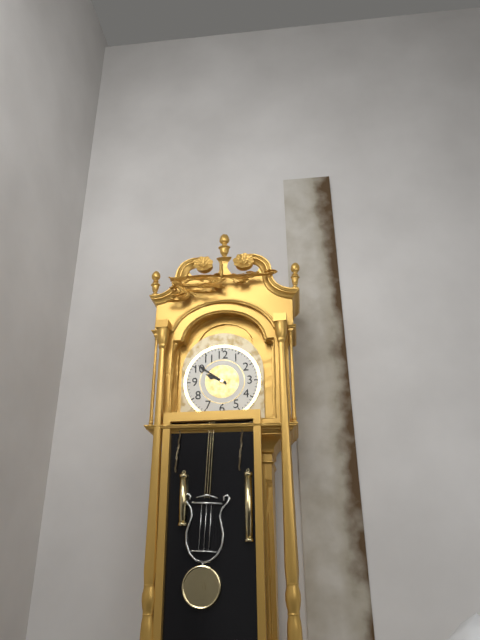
9:51
